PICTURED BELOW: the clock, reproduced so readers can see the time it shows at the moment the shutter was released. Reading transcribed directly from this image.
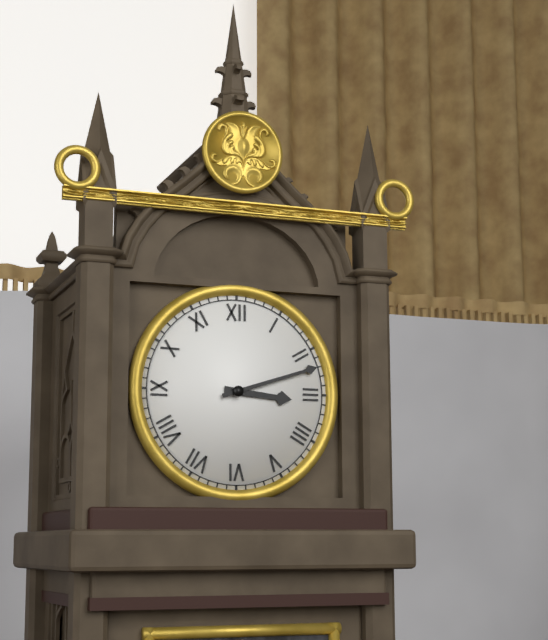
3:12
